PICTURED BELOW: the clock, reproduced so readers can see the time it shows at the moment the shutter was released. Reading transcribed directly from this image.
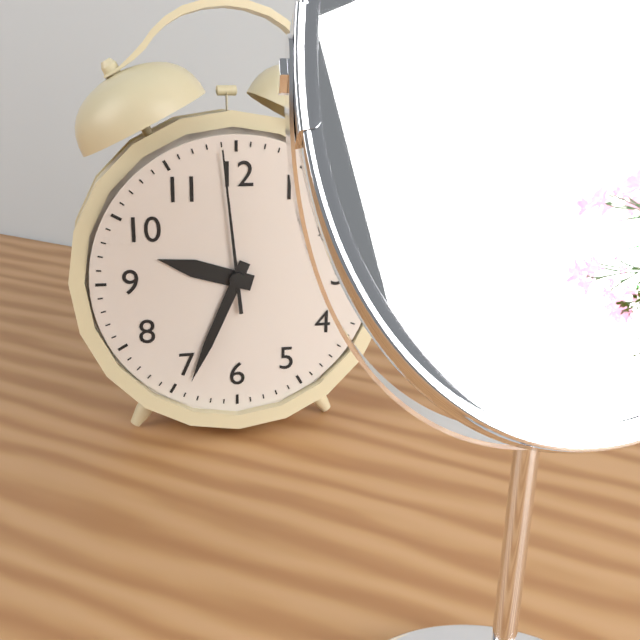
9:34:59
